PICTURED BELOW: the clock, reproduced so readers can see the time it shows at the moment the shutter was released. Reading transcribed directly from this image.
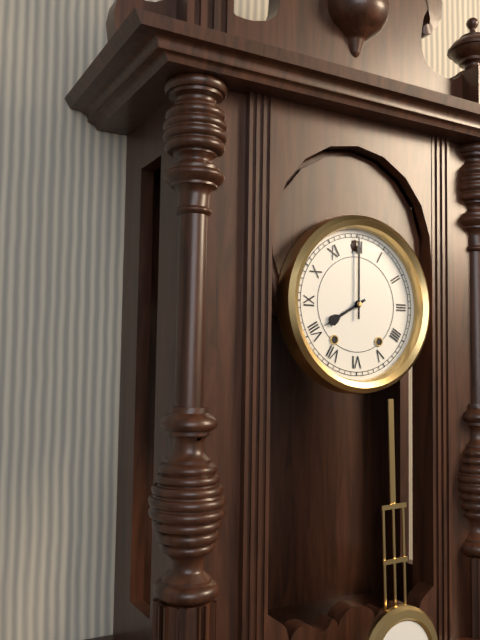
8:00
